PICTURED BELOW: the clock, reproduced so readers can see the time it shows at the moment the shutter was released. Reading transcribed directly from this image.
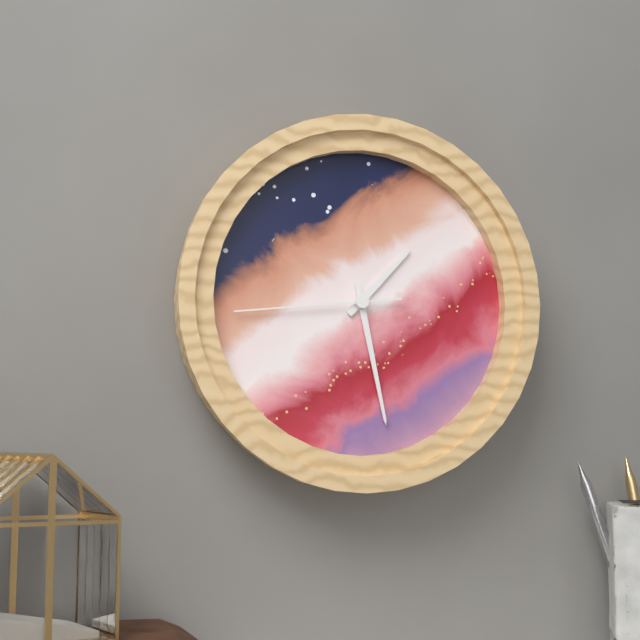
1:28:44
